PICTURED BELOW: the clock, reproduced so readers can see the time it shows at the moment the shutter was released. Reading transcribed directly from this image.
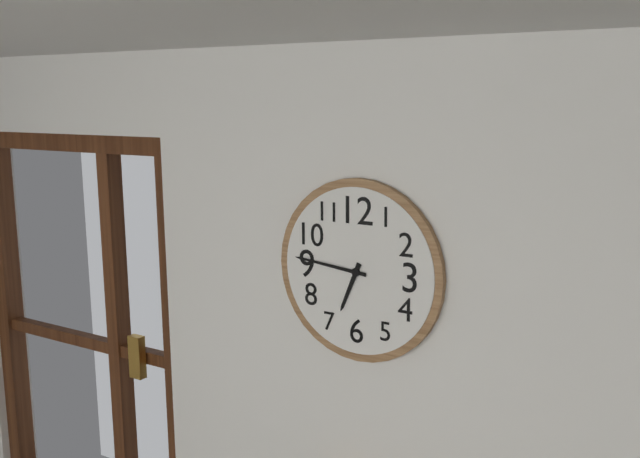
6:46
